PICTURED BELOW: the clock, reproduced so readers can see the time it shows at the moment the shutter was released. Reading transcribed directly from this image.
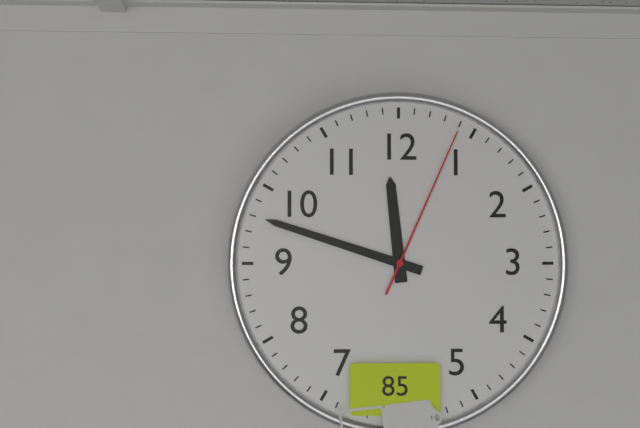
11:48:04
